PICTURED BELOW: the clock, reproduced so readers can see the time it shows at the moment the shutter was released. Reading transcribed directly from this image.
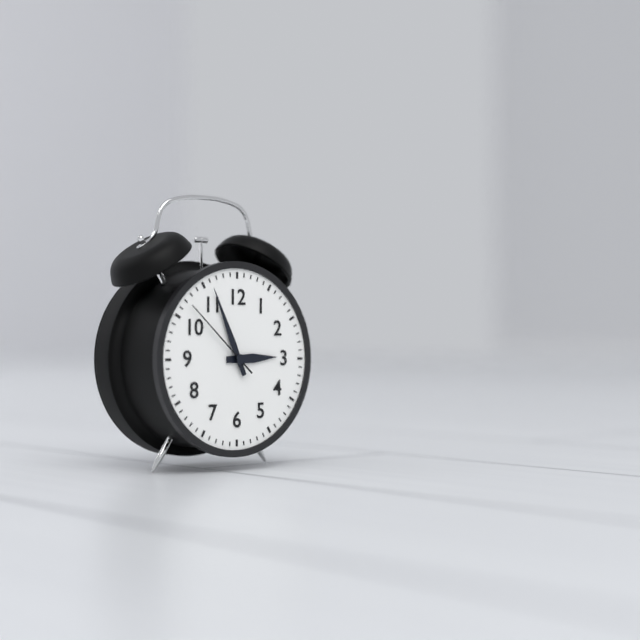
2:56:52
